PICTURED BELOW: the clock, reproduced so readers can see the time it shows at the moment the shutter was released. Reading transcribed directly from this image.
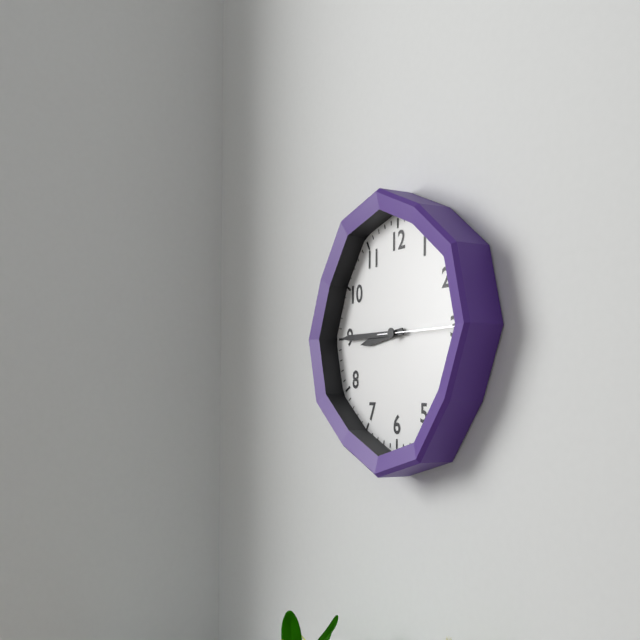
8:45:15
